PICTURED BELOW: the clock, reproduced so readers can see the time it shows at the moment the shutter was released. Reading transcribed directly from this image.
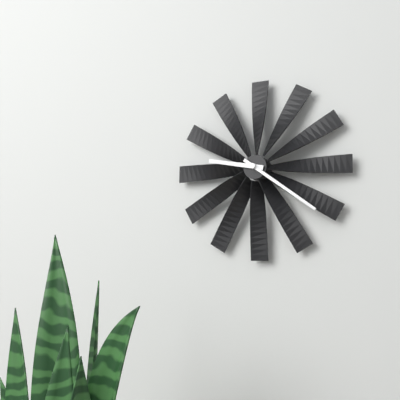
9:21
